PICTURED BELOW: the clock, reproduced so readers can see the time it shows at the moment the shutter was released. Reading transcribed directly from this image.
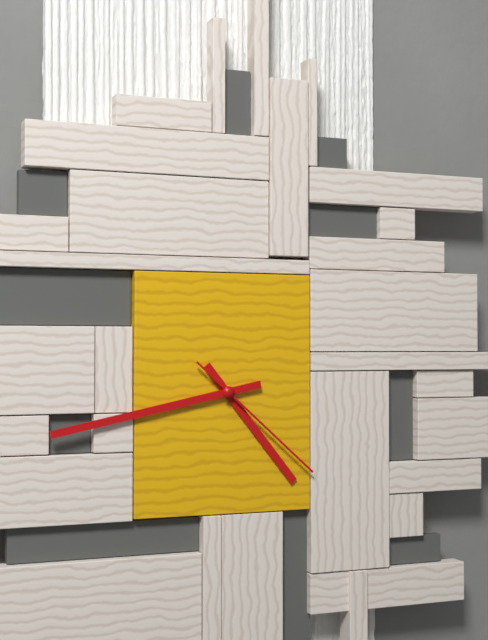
4:43:22
